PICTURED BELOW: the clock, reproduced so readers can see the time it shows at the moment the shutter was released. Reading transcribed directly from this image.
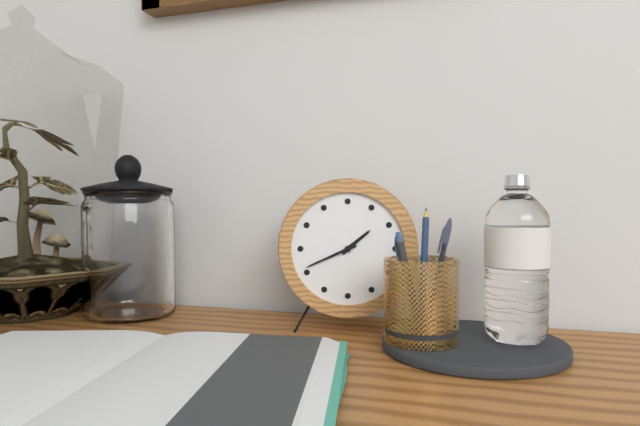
1:41
